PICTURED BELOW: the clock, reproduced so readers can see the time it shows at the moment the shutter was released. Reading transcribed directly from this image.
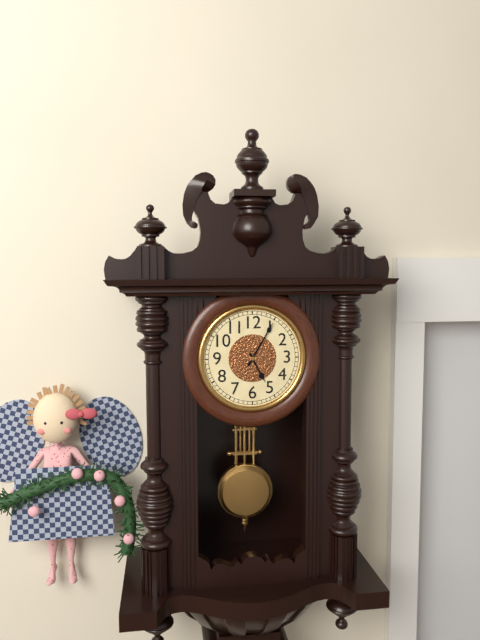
5:05
